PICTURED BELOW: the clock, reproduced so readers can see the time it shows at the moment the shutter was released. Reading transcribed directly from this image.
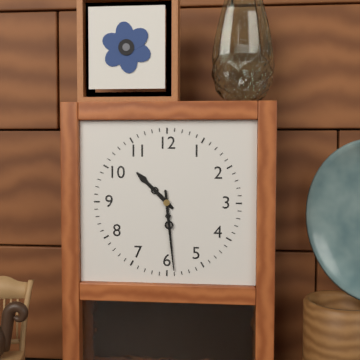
10:29
